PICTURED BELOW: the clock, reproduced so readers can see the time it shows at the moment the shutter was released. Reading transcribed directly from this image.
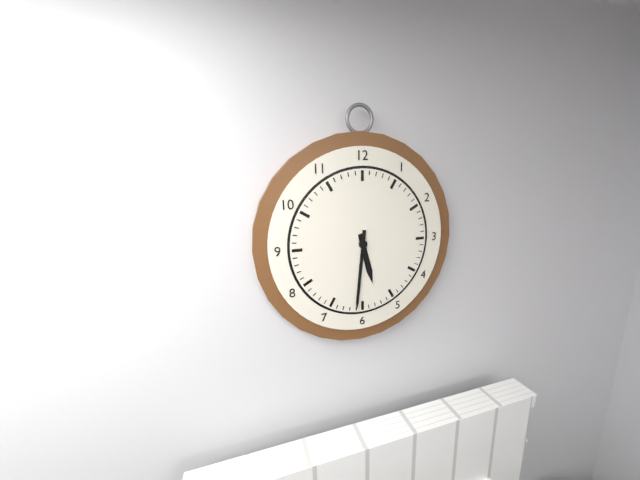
5:31
